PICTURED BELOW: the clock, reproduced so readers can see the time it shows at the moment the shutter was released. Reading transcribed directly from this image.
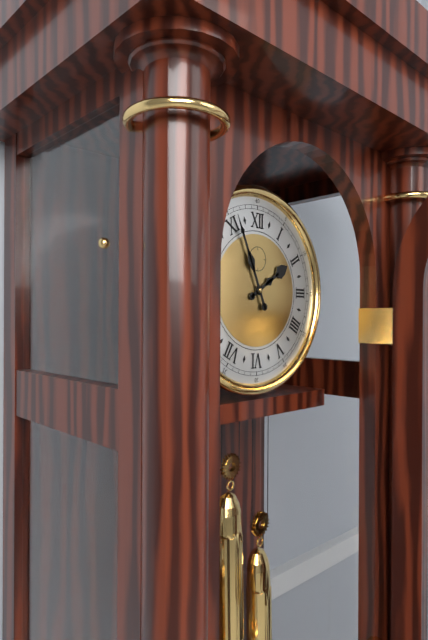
1:56
